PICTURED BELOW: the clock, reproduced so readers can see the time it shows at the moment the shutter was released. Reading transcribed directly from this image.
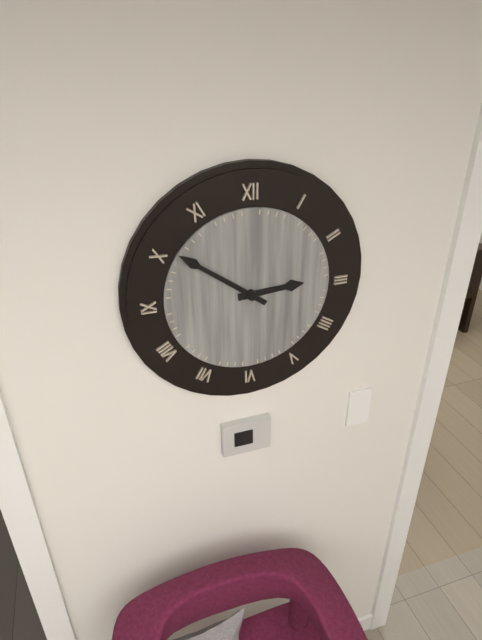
2:51
